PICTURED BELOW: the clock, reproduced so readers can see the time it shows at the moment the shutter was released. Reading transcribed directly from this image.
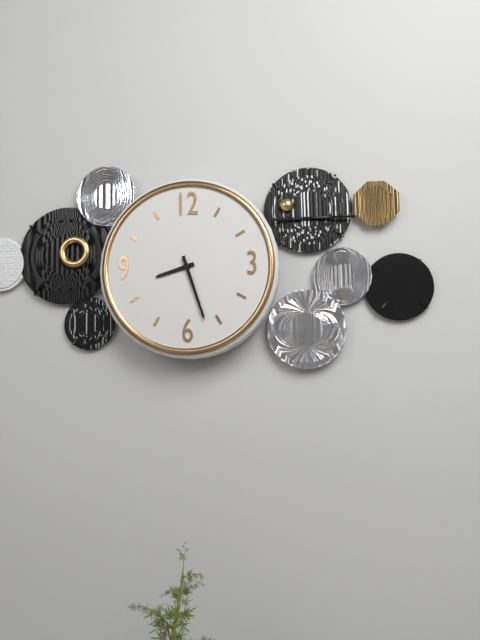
8:27
